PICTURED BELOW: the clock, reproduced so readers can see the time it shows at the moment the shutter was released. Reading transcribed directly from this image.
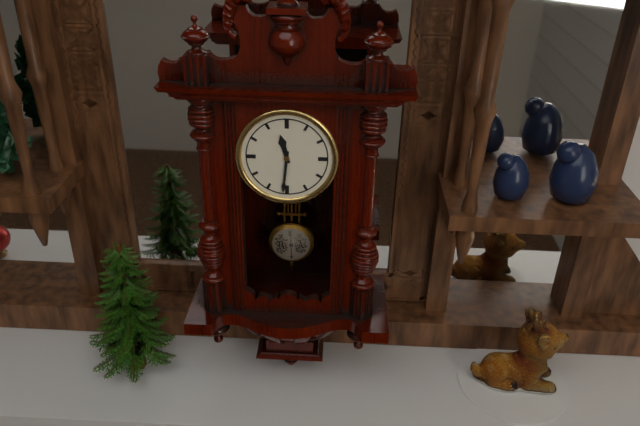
11:31
